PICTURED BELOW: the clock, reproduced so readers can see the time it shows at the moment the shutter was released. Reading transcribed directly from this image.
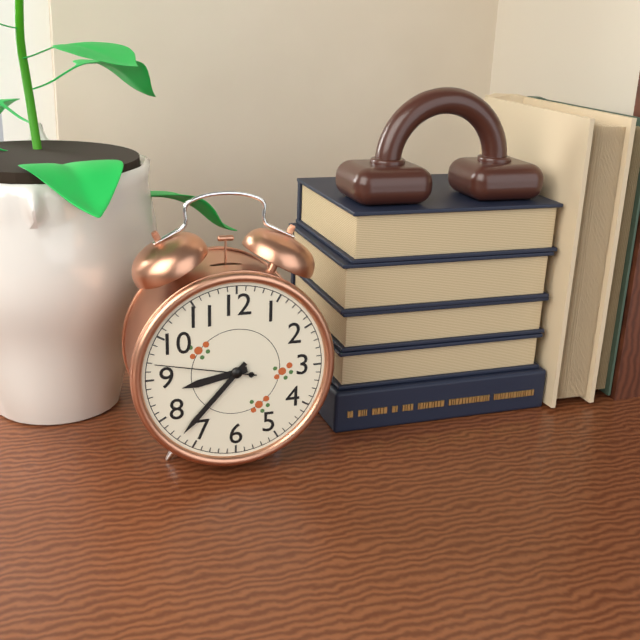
8:37:47
